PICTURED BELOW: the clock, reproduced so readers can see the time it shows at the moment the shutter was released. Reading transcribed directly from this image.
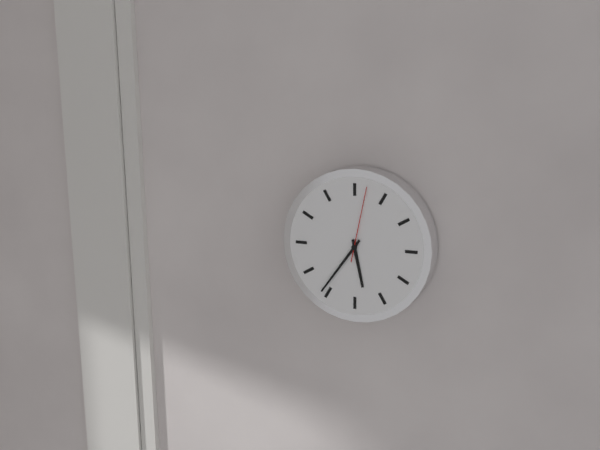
5:36:02
